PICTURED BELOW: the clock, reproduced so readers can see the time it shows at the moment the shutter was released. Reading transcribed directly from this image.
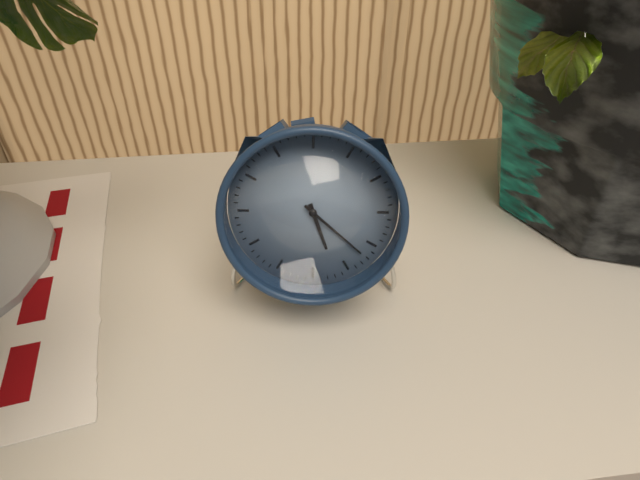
5:22
